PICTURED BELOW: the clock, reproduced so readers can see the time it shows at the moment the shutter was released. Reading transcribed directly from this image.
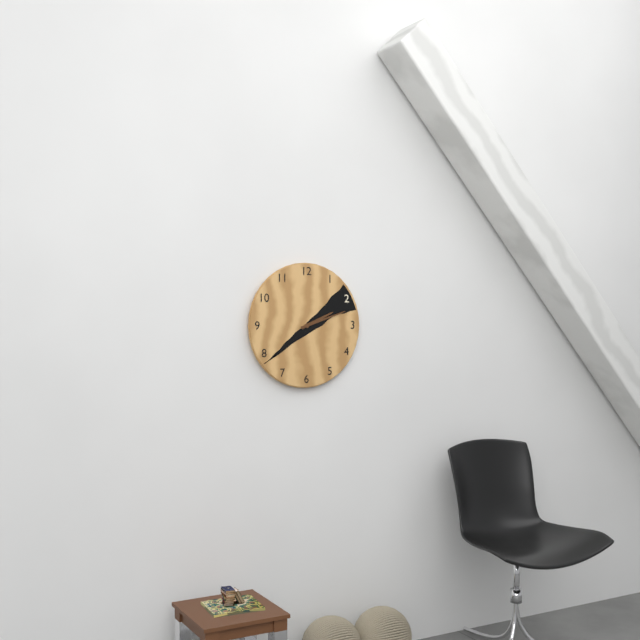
2:12
